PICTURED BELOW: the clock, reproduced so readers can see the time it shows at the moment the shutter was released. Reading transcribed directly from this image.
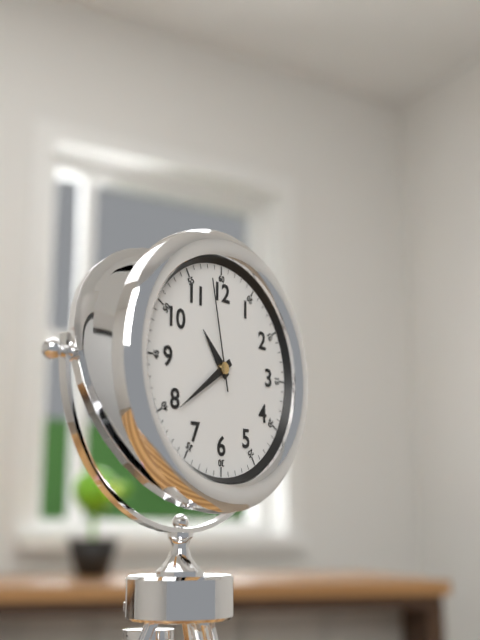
10:39:58
